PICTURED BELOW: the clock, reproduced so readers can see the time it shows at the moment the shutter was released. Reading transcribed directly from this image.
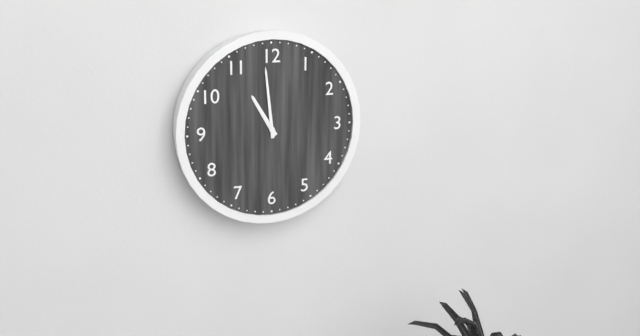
10:59
